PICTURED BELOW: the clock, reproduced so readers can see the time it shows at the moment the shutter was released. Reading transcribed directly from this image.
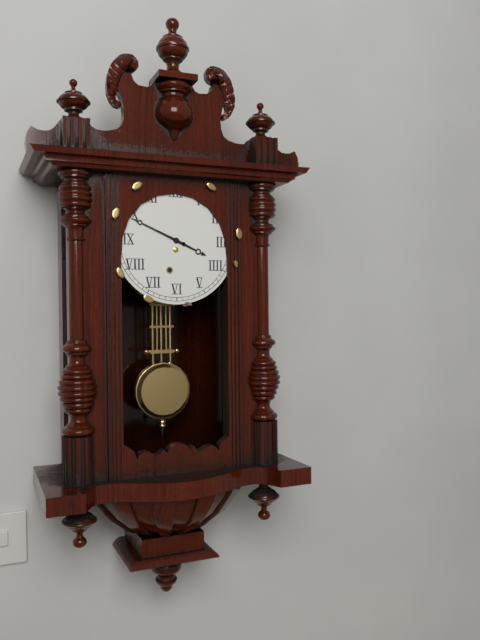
3:49
